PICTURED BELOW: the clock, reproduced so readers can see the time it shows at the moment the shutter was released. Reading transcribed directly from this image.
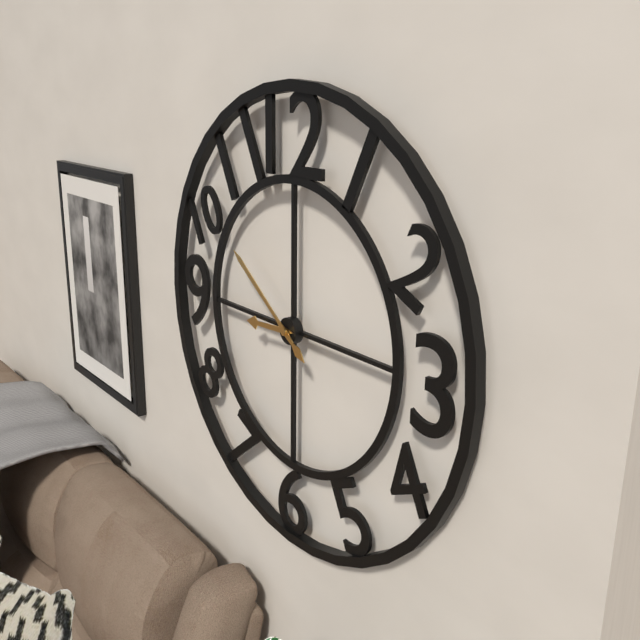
8:51
